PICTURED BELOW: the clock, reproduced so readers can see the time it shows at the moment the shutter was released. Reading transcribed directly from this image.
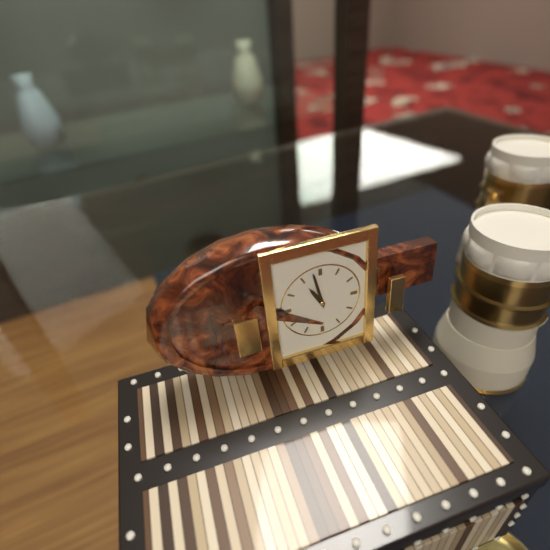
10:58
